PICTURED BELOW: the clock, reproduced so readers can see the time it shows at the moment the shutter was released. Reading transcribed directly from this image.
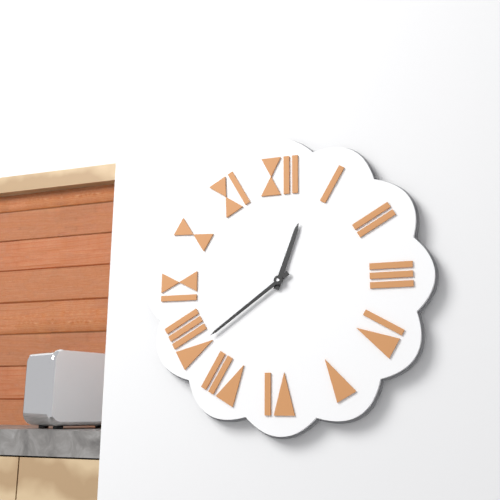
12:39
